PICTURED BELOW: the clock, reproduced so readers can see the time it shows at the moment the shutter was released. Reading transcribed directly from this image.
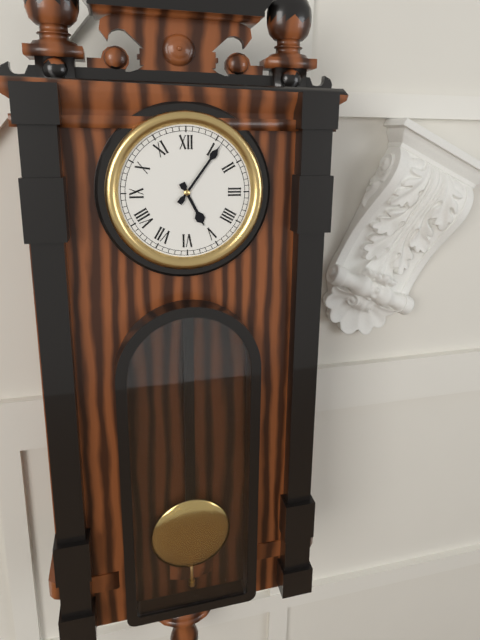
5:06
